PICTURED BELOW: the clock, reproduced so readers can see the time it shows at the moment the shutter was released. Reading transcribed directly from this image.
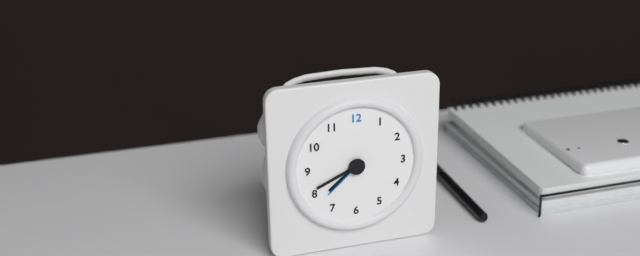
7:41:38
